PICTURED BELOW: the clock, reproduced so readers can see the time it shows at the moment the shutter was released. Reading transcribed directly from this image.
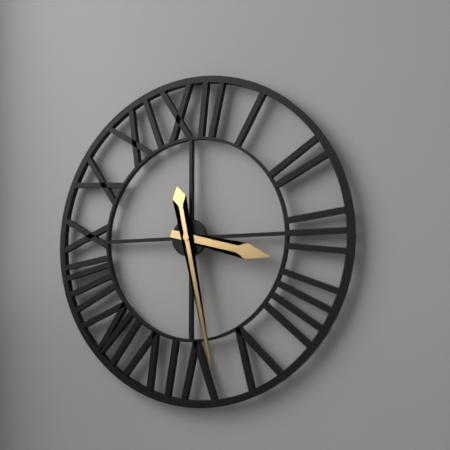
3:28
